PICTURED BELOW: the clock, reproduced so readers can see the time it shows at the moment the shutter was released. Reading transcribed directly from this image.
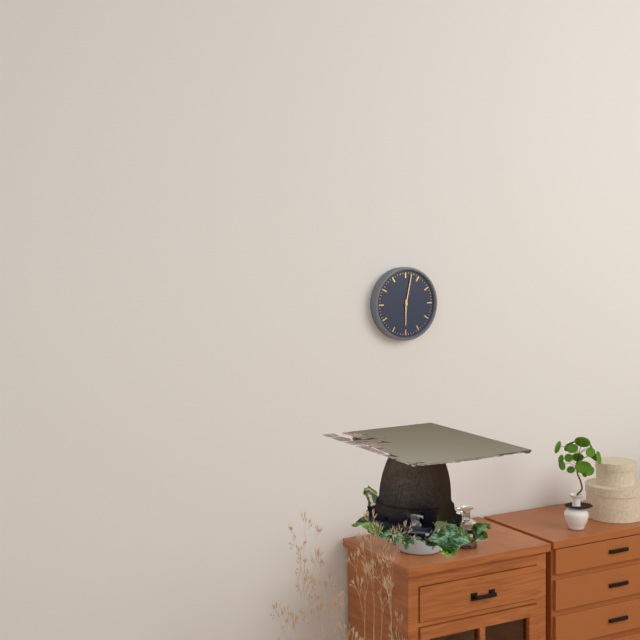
6:02
